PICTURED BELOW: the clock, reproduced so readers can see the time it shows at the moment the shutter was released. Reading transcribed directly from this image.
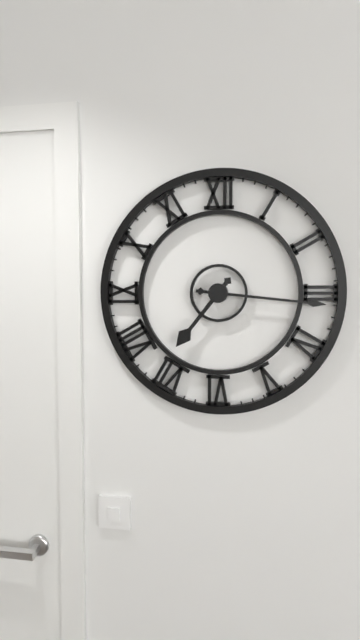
7:16
